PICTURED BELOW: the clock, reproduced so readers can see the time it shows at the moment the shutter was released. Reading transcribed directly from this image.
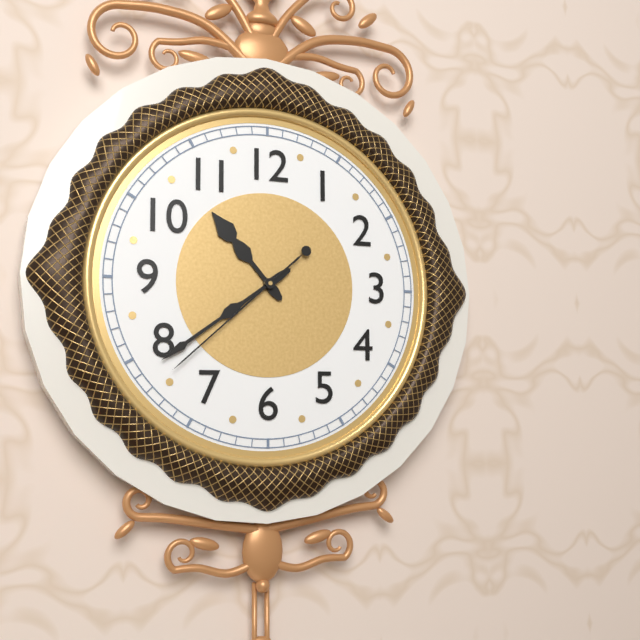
10:39:38
